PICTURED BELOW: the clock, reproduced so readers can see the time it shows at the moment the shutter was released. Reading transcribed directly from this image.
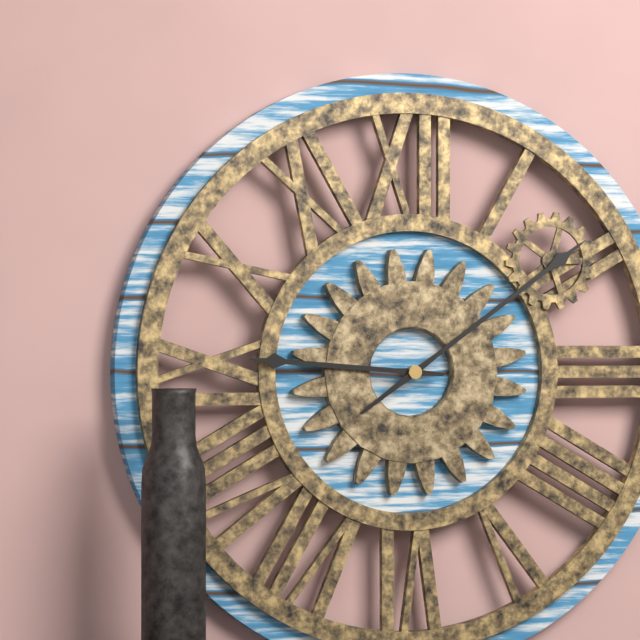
9:09
